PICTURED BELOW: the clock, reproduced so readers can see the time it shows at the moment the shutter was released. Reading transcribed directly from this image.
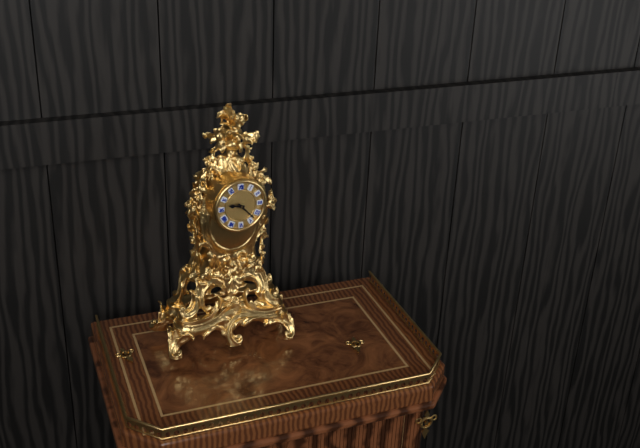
9:23
